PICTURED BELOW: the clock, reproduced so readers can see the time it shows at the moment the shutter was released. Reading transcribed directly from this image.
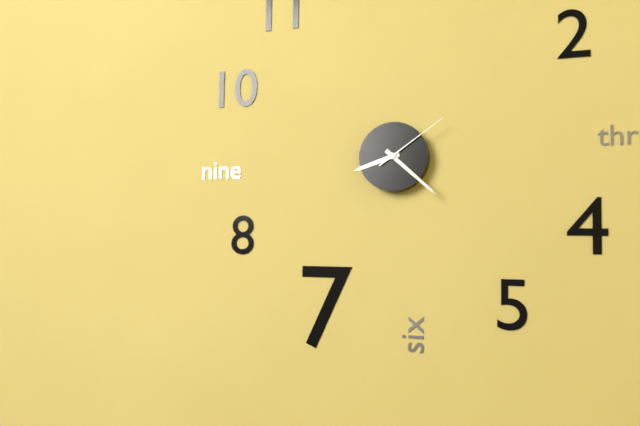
8:22:09
